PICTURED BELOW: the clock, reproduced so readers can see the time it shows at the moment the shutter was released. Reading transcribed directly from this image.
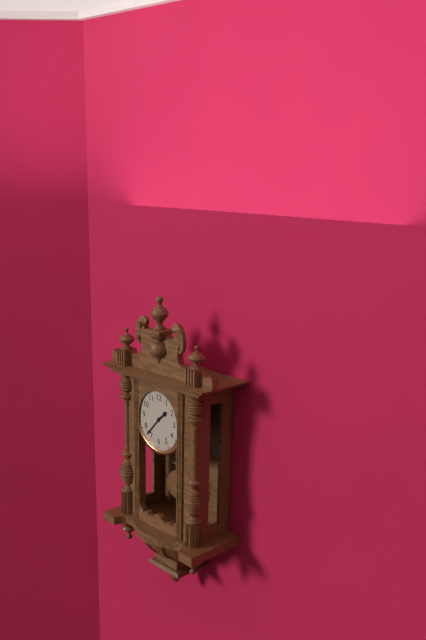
1:37
